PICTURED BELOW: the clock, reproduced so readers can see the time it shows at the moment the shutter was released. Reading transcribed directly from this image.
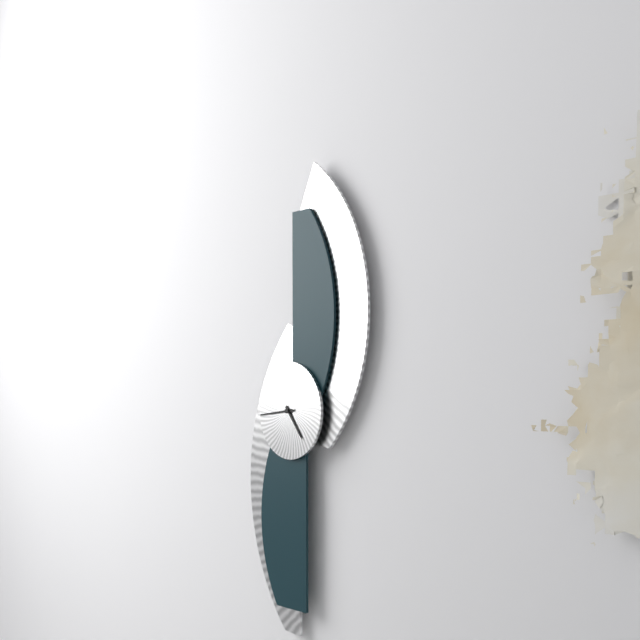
4:44
